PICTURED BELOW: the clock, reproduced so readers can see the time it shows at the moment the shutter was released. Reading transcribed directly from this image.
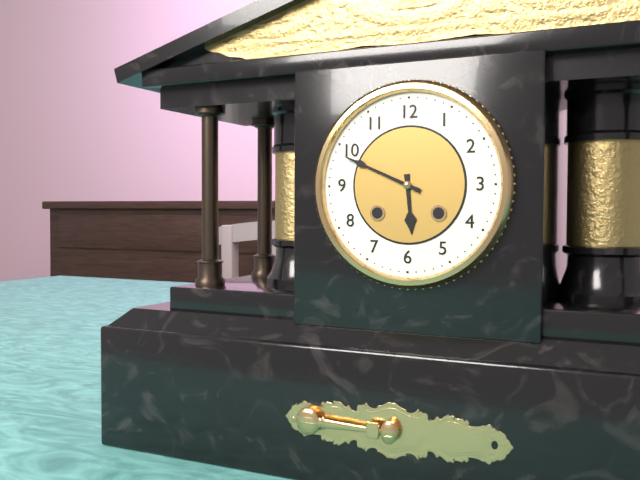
5:49
